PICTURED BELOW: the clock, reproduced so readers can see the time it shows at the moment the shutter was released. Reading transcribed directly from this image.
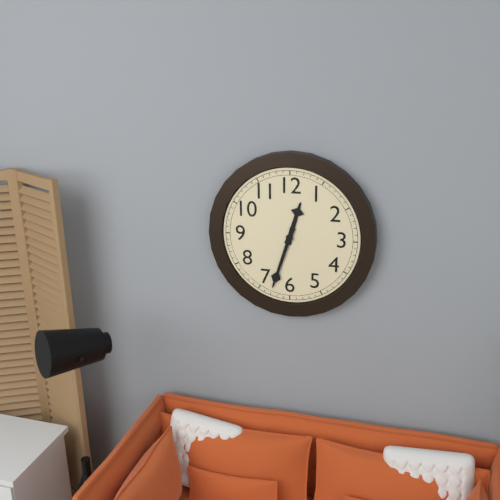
12:33
